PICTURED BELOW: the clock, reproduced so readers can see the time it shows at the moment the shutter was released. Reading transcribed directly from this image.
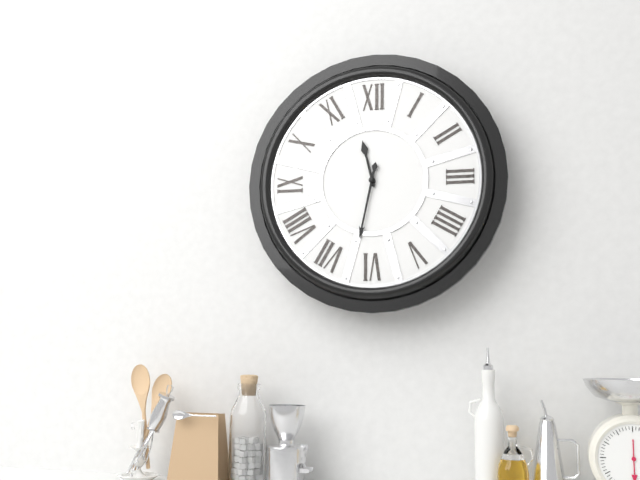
11:32
